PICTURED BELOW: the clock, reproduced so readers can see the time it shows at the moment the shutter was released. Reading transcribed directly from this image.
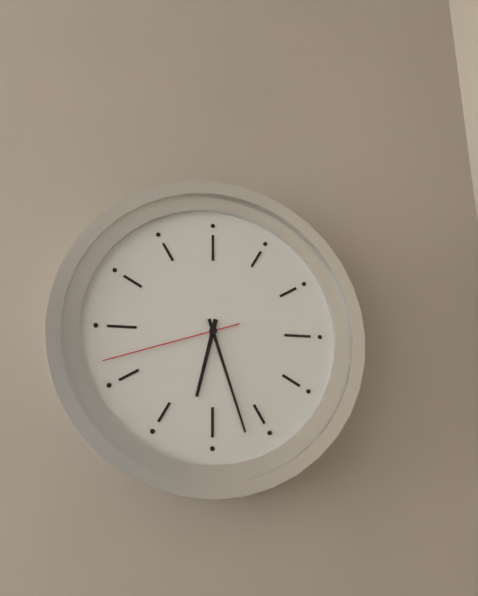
6:27:42
